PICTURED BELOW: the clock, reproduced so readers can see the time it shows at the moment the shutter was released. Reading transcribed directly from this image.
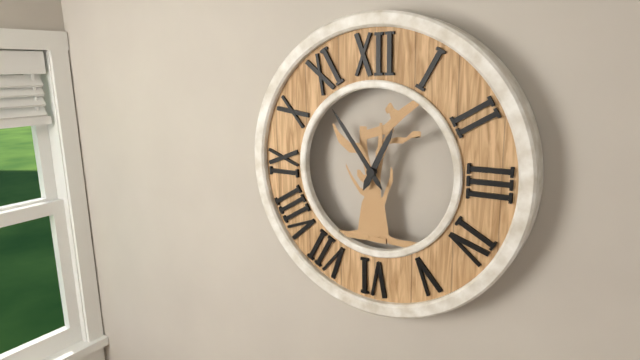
12:54
